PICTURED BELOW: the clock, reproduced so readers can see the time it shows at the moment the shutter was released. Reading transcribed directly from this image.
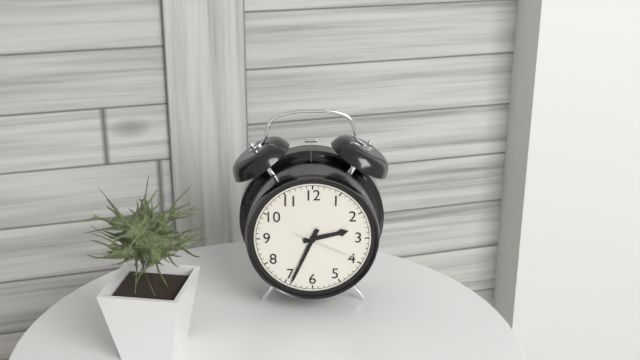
2:34:19
